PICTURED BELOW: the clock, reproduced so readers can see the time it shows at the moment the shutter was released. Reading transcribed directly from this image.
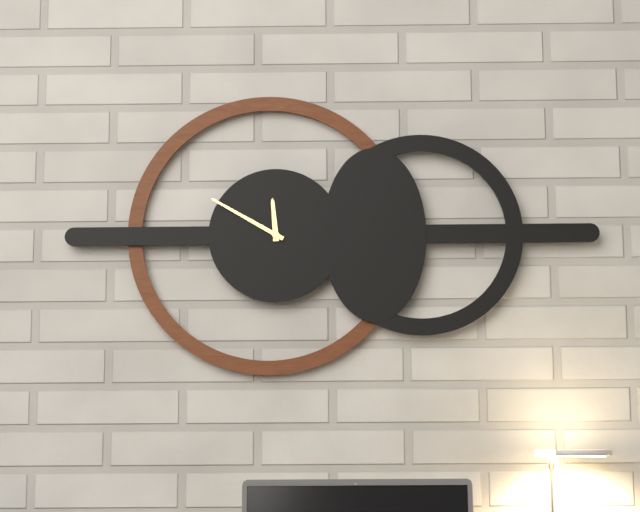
11:50
